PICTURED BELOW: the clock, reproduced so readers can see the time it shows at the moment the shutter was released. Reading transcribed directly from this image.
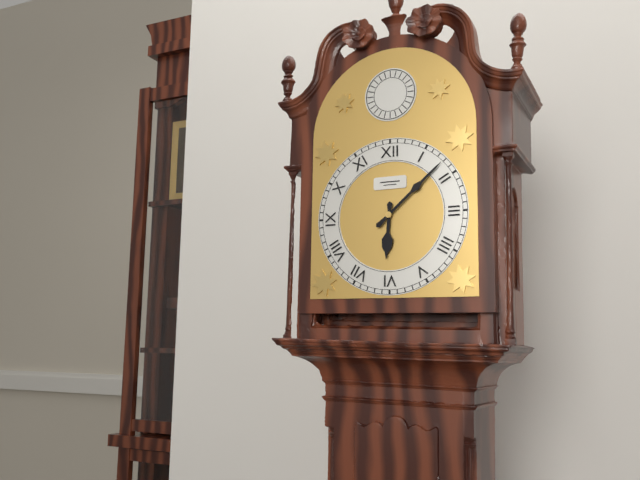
6:08
